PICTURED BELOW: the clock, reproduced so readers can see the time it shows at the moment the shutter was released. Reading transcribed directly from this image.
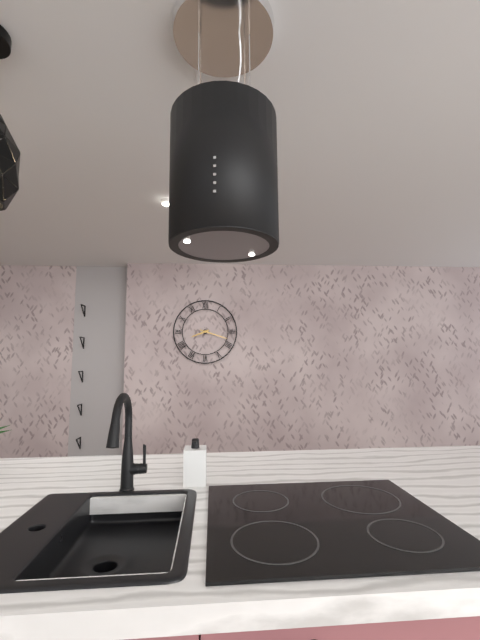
8:18
